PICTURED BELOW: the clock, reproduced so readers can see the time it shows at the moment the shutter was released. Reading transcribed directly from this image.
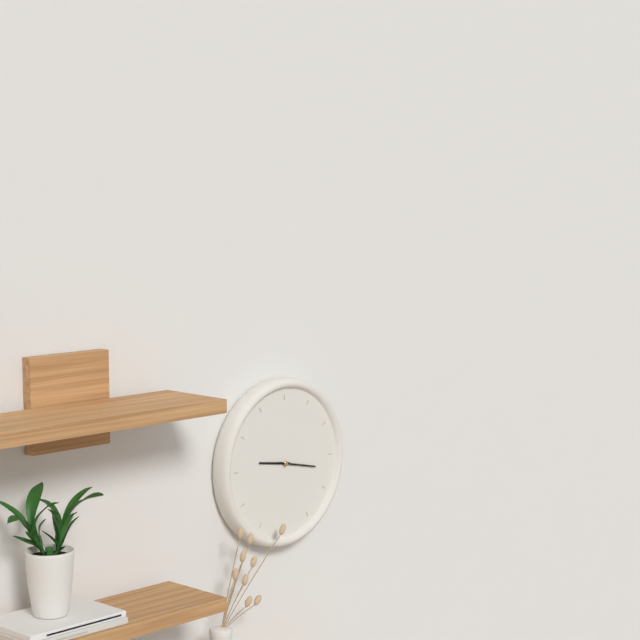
9:17
